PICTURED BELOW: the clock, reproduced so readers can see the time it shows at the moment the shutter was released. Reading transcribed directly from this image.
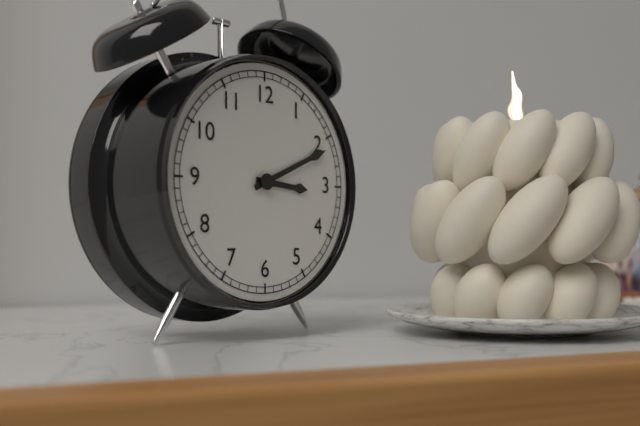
3:11
